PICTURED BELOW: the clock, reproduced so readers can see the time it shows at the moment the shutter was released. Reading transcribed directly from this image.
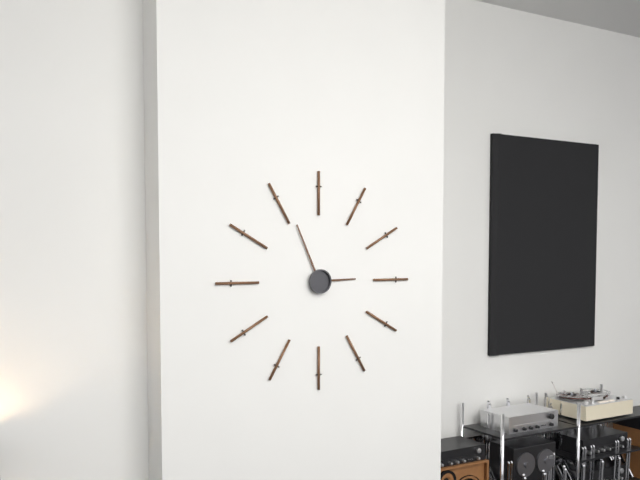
2:56
